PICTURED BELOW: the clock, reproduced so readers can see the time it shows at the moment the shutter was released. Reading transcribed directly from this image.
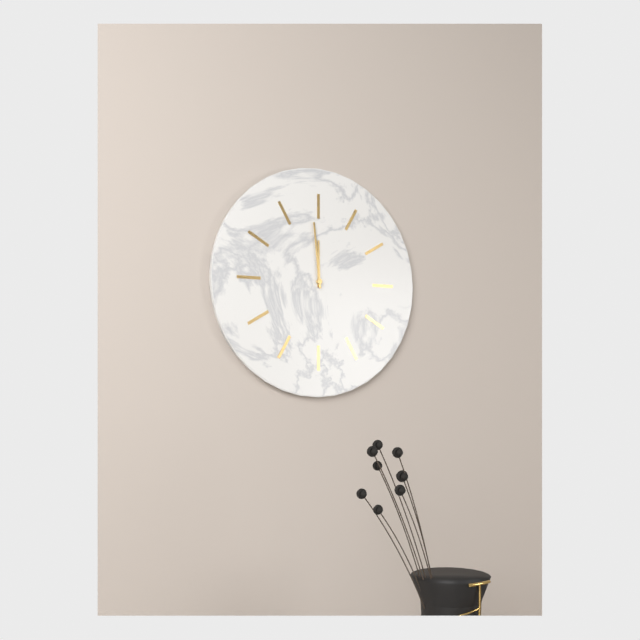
11:59
